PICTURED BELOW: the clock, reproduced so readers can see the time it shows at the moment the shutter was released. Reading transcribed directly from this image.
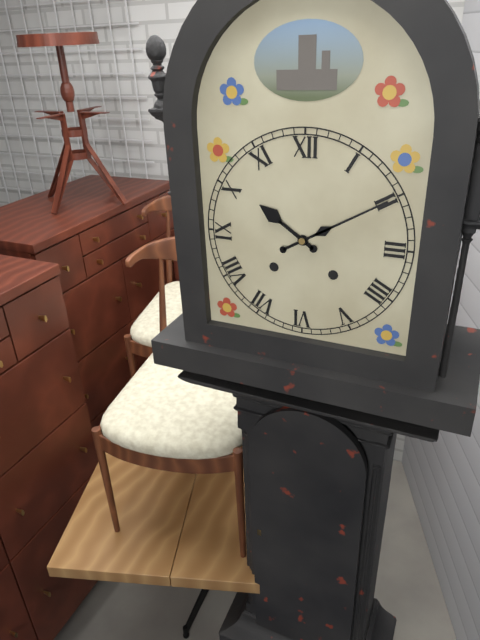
10:10
